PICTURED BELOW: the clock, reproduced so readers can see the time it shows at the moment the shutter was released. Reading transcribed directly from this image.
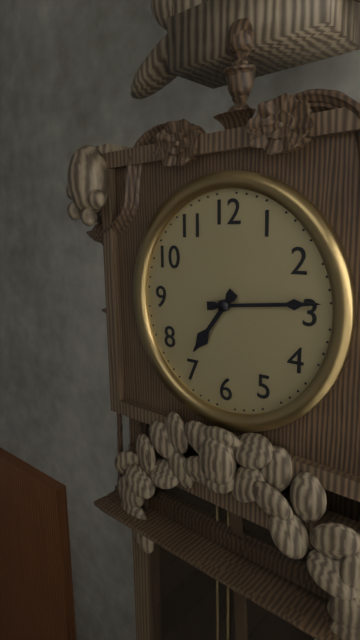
7:14
